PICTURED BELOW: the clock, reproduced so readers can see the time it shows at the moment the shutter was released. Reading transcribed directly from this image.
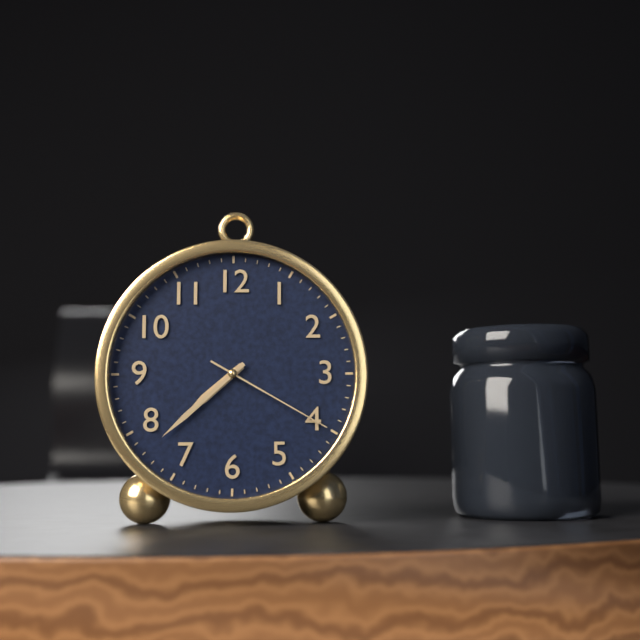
7:38:20
